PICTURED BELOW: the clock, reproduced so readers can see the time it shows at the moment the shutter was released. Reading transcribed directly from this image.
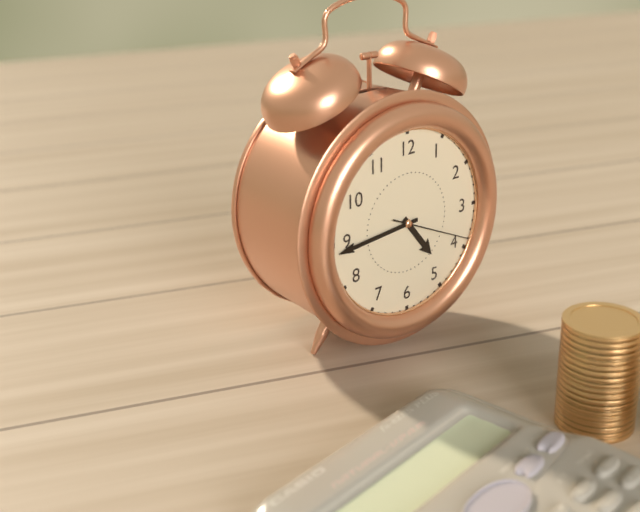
4:44:19
